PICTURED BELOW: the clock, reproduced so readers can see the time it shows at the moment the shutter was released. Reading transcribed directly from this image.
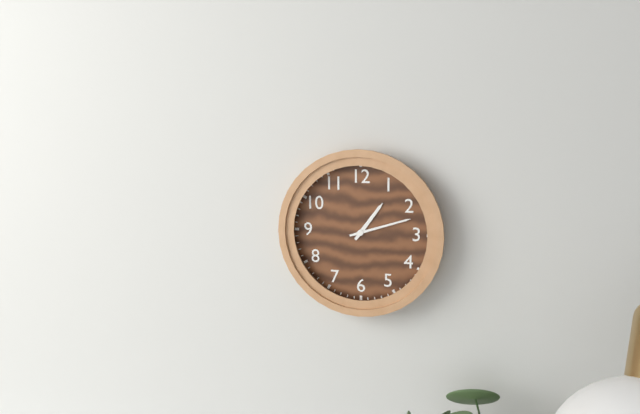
1:12
